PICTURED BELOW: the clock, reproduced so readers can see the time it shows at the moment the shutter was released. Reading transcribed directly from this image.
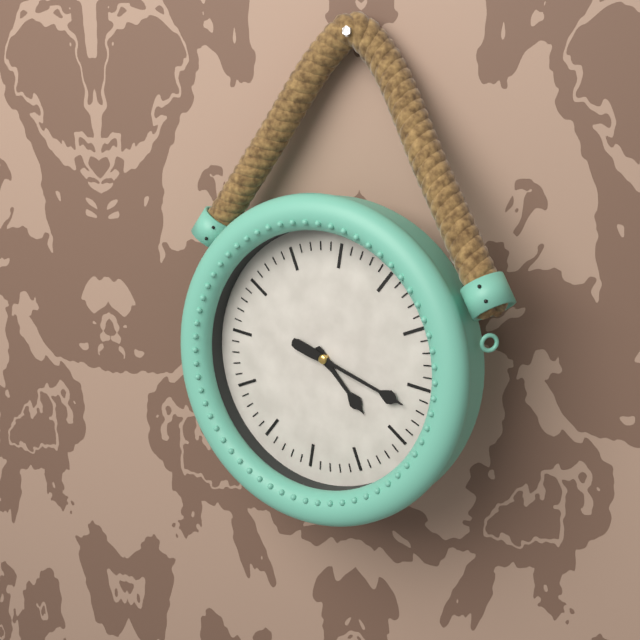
4:17
